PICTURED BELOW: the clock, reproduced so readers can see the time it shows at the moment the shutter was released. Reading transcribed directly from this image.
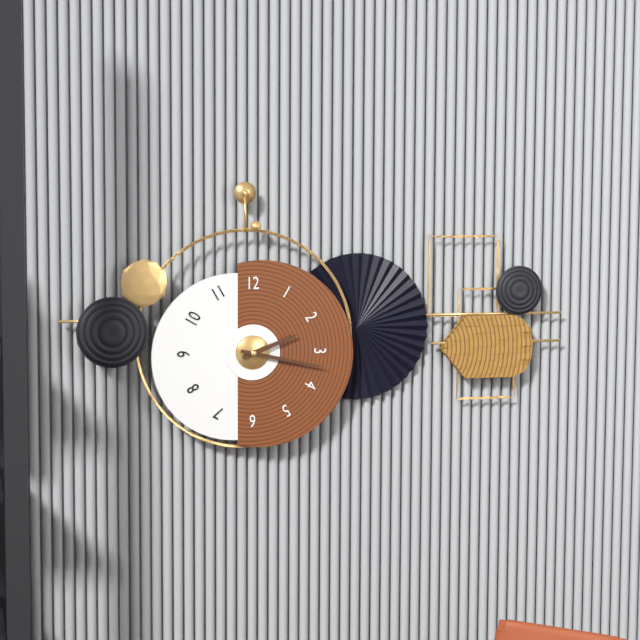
2:17
